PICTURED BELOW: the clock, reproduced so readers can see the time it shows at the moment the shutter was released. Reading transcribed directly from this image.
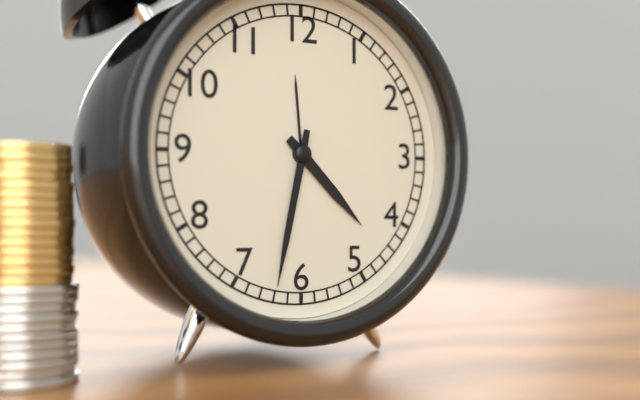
4:32
